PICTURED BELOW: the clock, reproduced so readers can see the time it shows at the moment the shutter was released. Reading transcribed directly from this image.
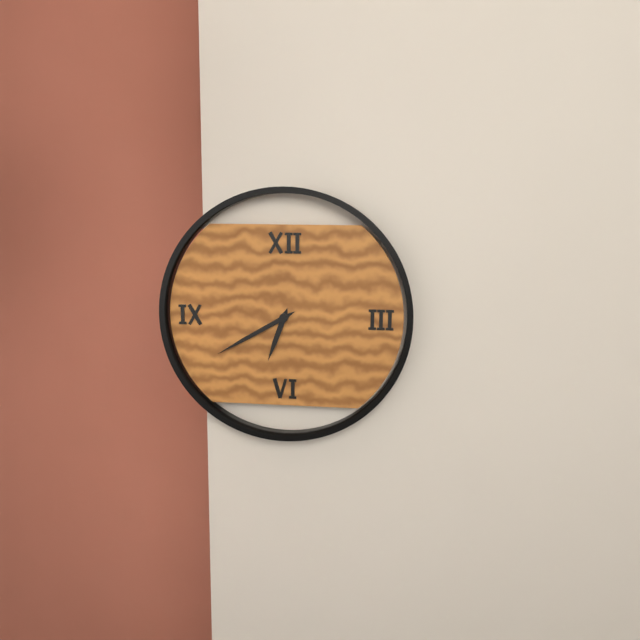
6:40
